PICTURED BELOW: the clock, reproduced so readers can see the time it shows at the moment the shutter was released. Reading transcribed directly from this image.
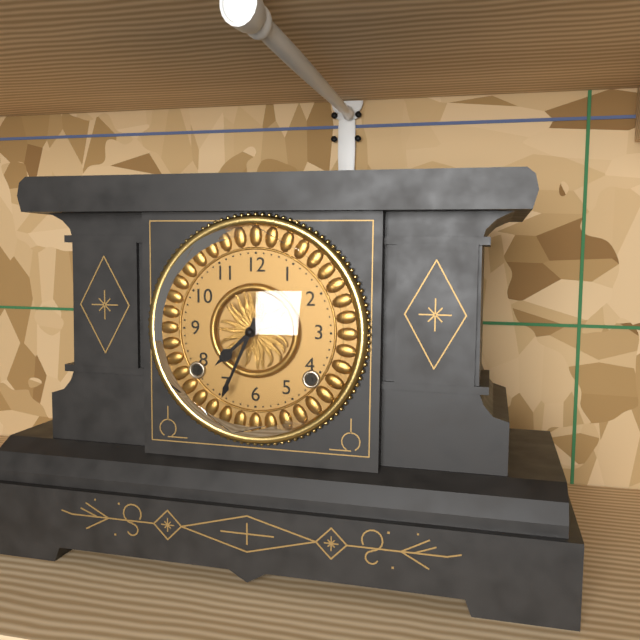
7:34
